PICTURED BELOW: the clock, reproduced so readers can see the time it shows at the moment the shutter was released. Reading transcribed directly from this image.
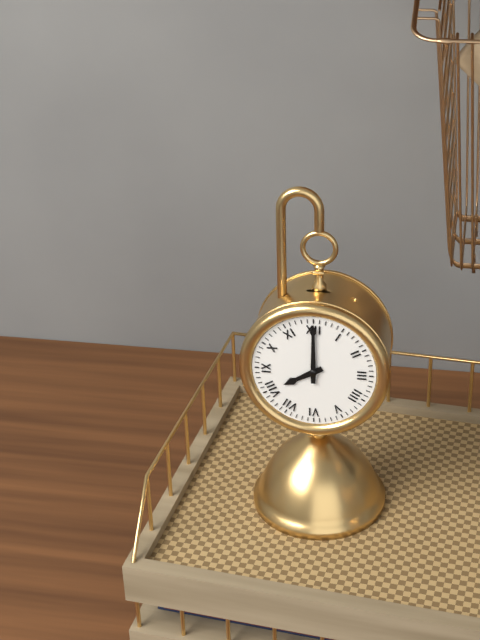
8:00
